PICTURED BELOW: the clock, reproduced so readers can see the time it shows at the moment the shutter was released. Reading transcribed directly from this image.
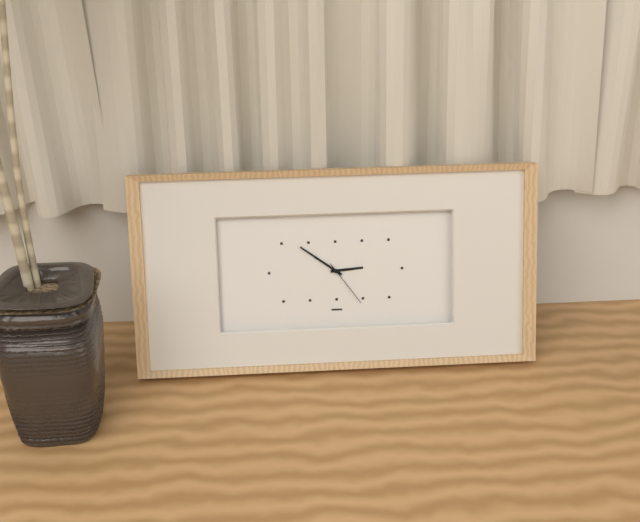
2:51:24
